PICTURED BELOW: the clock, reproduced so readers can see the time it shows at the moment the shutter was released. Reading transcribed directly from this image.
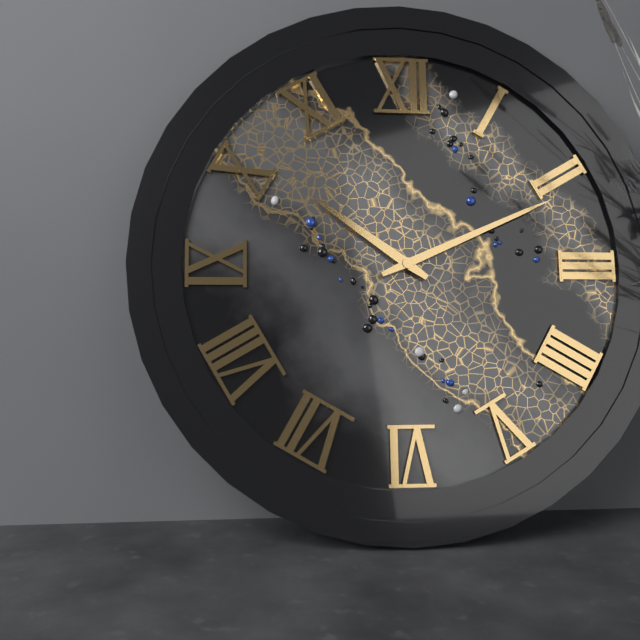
10:11
